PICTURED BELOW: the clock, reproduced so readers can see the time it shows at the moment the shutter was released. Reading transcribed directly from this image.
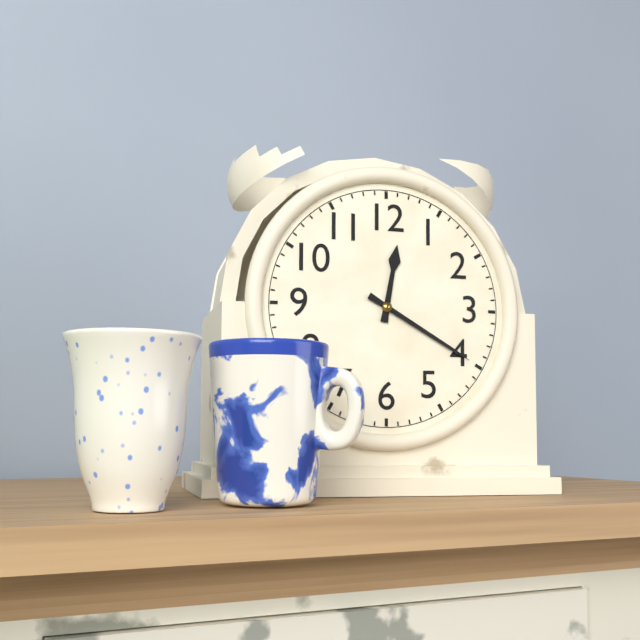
12:20
